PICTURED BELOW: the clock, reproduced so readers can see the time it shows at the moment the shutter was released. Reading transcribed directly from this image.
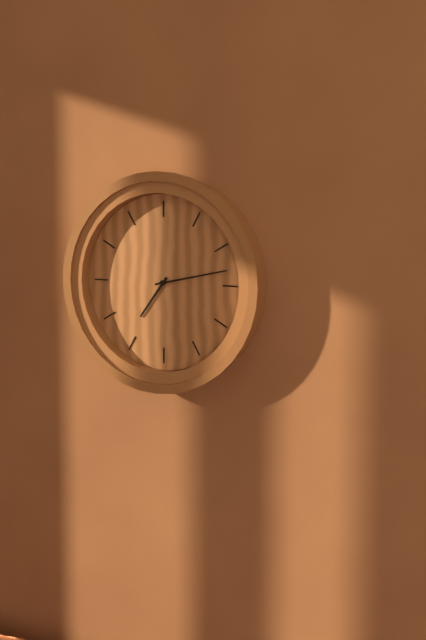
7:13
